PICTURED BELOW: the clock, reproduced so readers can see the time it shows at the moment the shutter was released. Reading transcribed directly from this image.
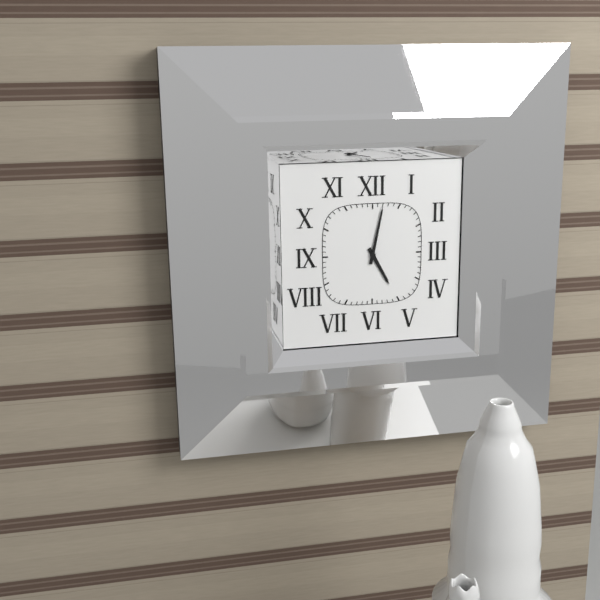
5:02
